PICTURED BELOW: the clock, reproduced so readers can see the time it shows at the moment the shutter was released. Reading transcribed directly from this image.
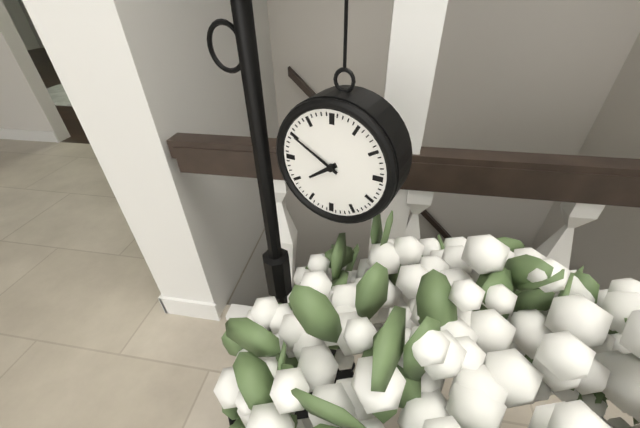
7:50
